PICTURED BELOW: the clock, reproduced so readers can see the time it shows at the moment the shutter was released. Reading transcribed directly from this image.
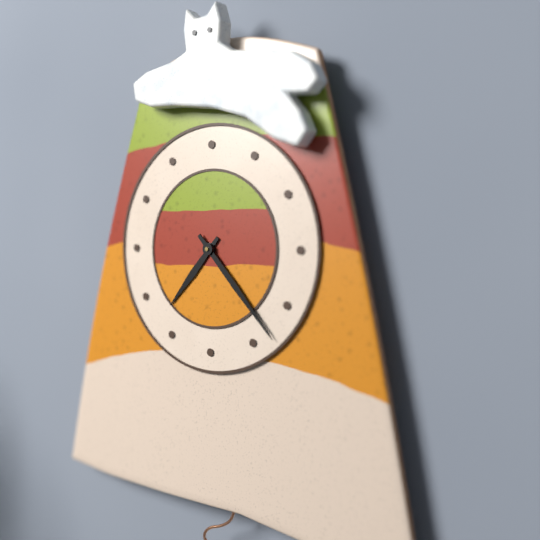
7:23
